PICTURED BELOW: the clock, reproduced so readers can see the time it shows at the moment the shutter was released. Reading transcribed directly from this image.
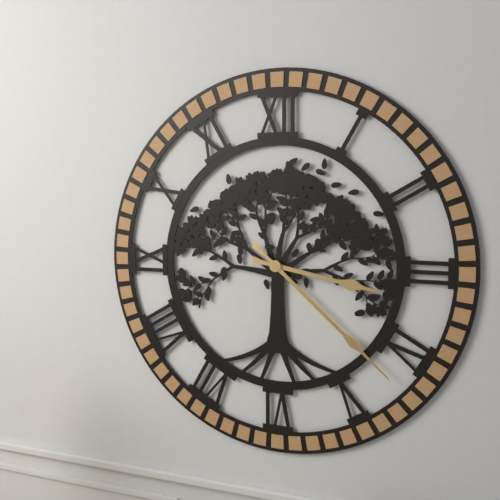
3:22
